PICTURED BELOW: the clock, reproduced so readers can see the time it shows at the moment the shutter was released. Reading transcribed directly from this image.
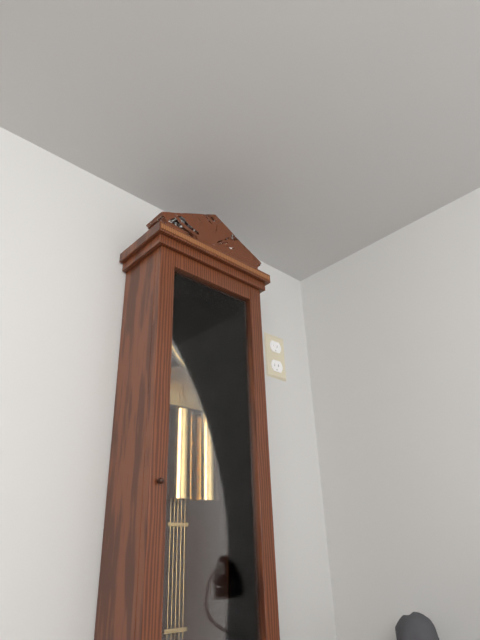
11:31
